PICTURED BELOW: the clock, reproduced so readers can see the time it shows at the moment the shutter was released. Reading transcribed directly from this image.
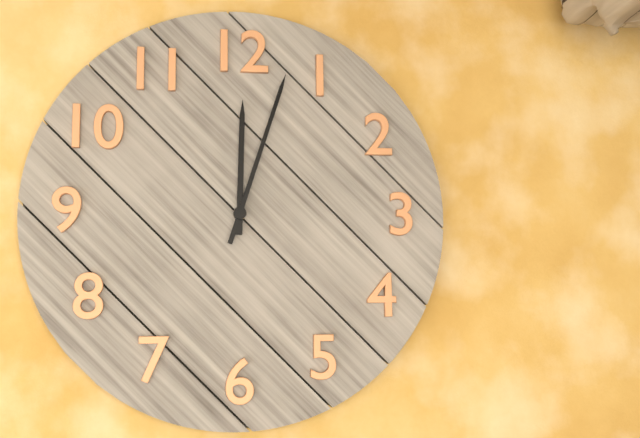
12:03
